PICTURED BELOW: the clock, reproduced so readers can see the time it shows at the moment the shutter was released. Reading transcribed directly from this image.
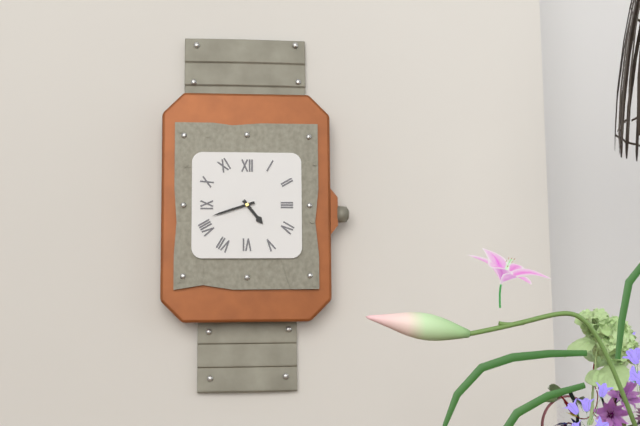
4:42
